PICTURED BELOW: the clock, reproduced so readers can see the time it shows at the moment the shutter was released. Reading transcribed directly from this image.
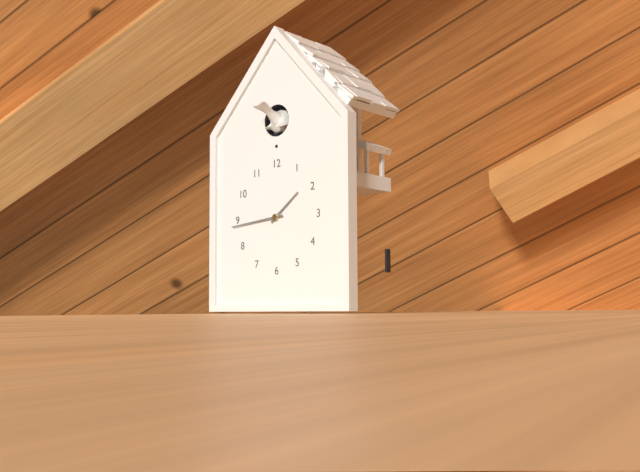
1:44
